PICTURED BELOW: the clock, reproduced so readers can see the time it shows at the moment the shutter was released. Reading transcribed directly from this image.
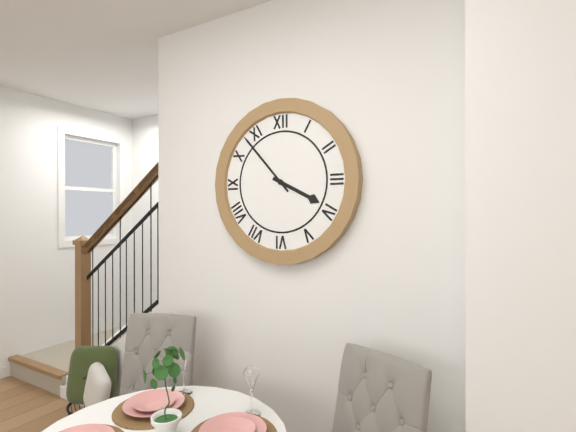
3:53
